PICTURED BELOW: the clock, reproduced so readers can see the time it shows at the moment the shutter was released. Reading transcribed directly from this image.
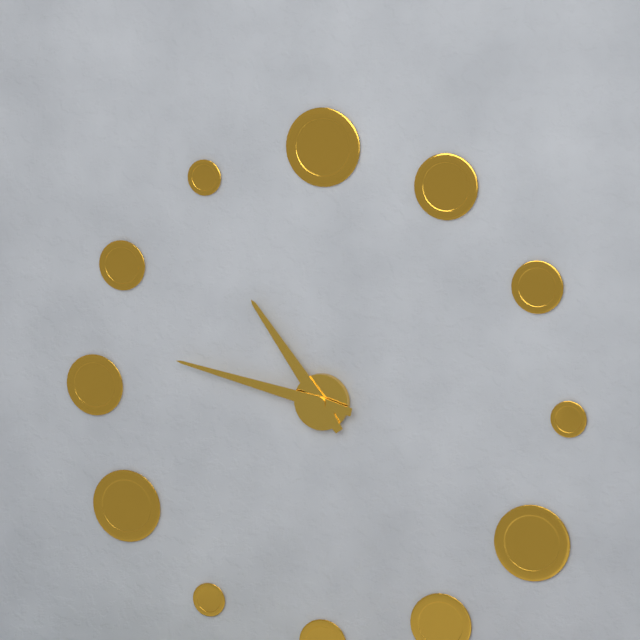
10:47
